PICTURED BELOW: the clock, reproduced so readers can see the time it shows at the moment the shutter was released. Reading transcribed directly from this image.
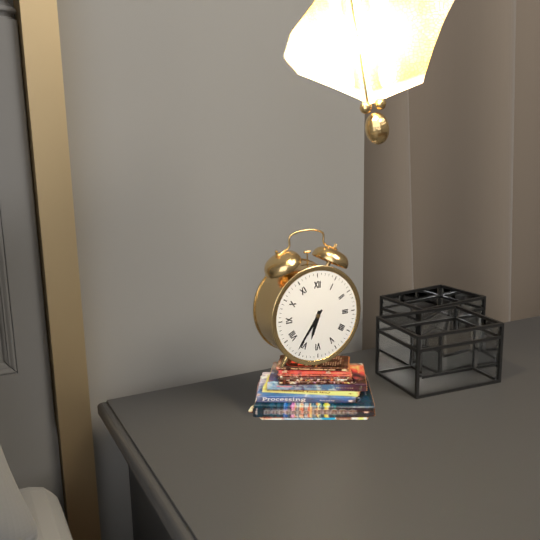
6:36
